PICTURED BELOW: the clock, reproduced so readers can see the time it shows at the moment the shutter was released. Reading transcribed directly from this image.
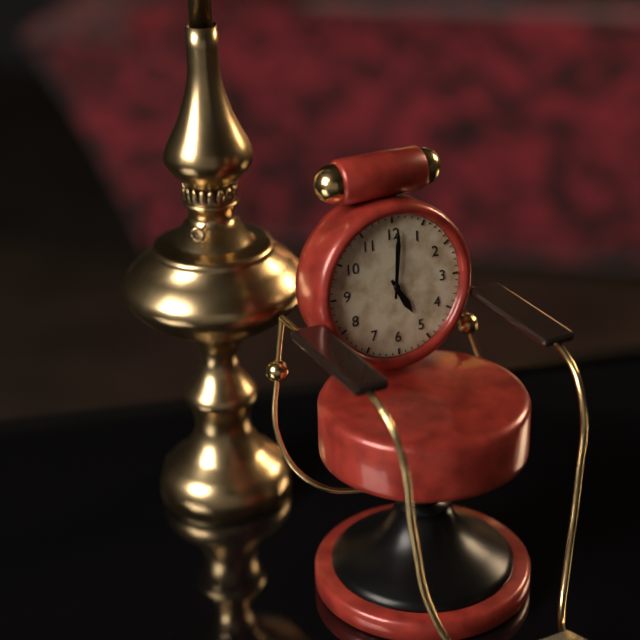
5:01
